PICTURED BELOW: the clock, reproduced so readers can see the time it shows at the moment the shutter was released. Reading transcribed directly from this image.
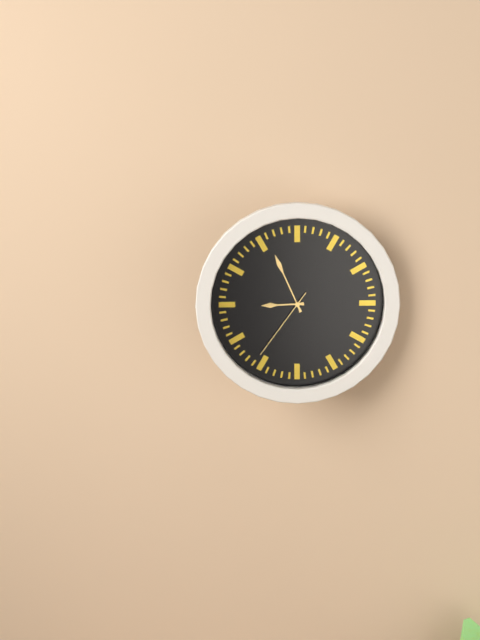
8:56:36
